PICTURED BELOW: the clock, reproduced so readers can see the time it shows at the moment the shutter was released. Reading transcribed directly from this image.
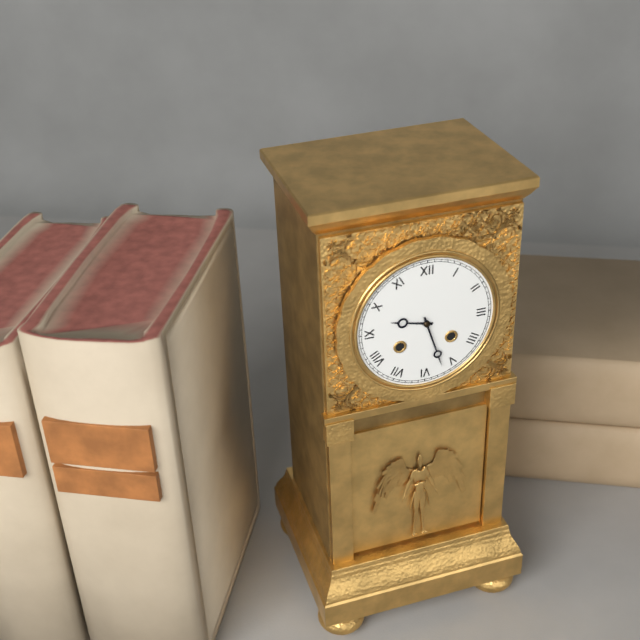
9:27
